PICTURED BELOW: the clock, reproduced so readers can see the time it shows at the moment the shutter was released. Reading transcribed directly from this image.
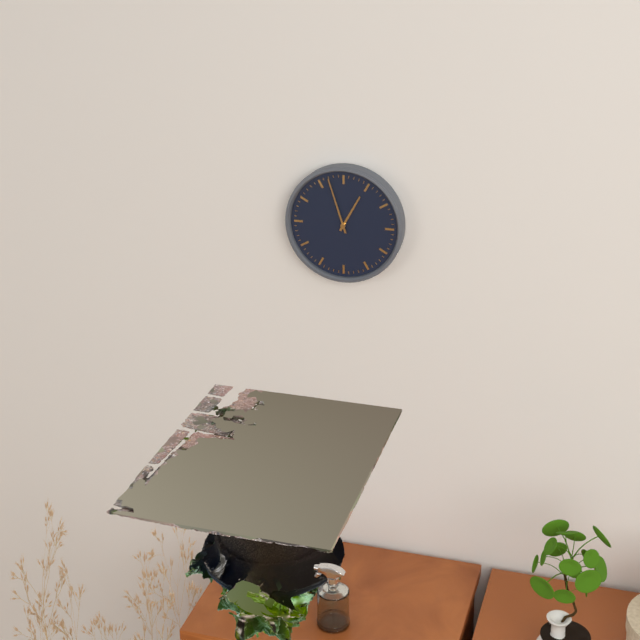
12:57
